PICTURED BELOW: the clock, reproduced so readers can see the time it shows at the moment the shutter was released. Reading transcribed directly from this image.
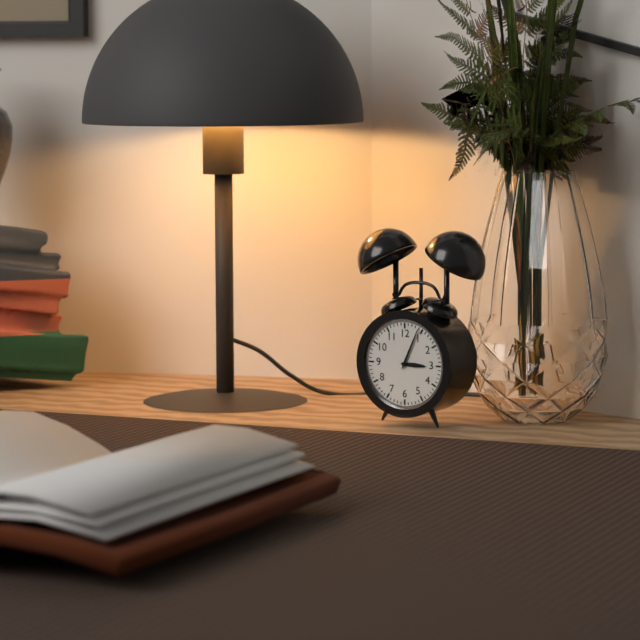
3:04
